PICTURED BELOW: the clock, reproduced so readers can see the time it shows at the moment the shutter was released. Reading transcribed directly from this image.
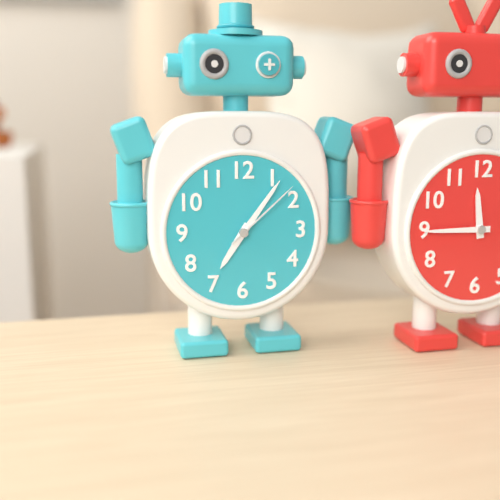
7:06:08
